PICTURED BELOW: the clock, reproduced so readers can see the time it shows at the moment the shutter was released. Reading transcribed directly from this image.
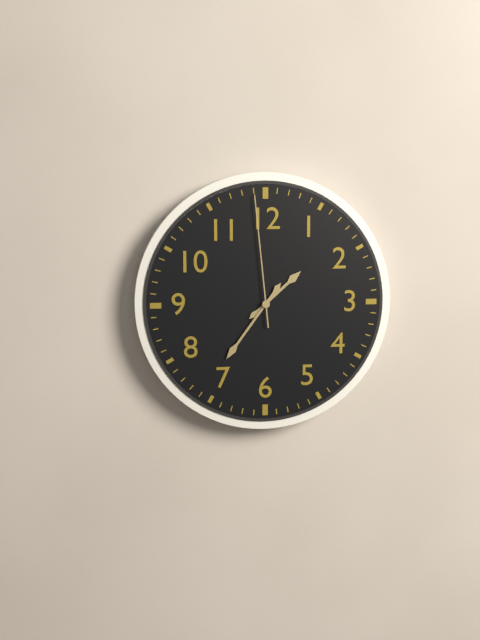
1:36:59
